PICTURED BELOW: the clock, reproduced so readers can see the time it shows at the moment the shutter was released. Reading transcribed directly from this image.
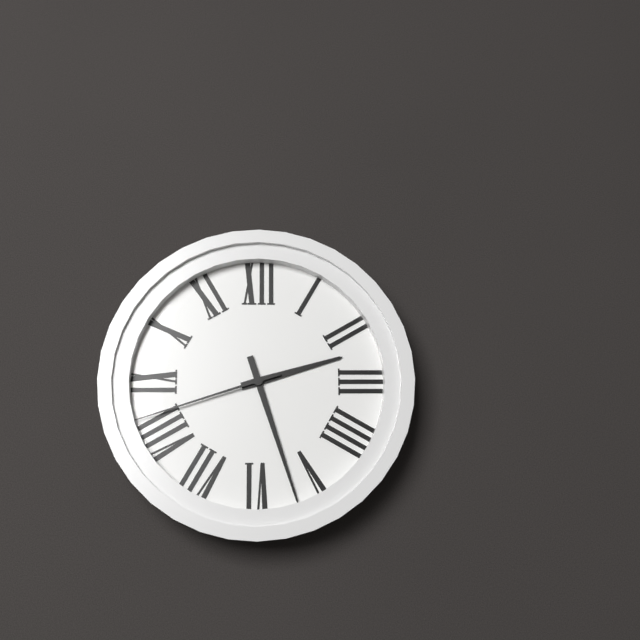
2:27:42
